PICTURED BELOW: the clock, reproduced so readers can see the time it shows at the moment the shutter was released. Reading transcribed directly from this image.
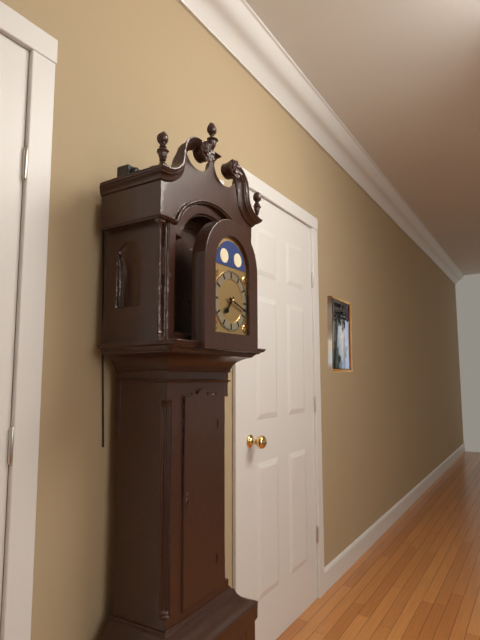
7:18
